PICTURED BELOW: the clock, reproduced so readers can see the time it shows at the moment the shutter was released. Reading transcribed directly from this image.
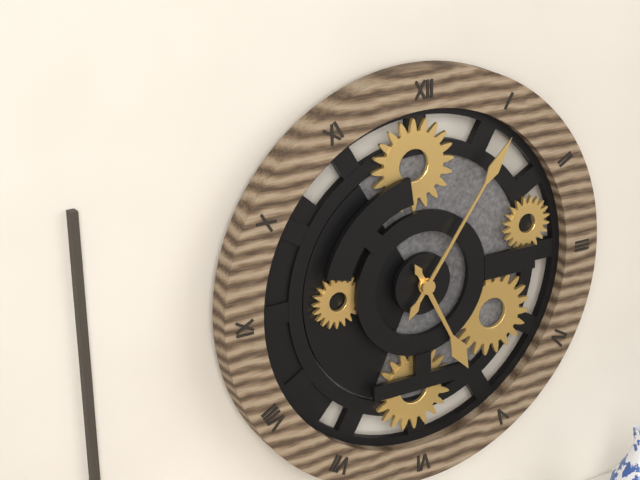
5:06
